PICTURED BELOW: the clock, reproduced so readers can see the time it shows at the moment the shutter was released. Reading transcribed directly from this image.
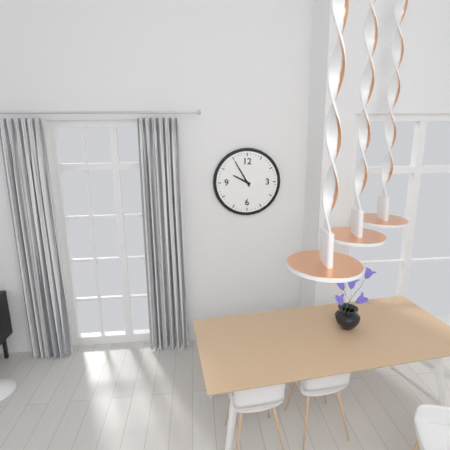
9:55
